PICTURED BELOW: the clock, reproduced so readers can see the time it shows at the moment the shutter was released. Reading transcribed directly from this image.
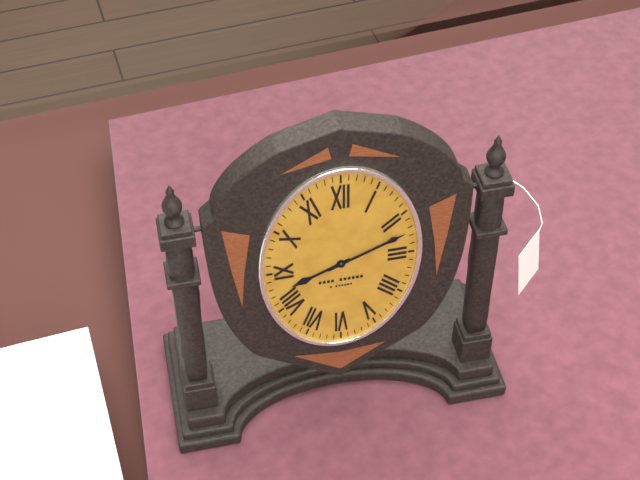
8:11
